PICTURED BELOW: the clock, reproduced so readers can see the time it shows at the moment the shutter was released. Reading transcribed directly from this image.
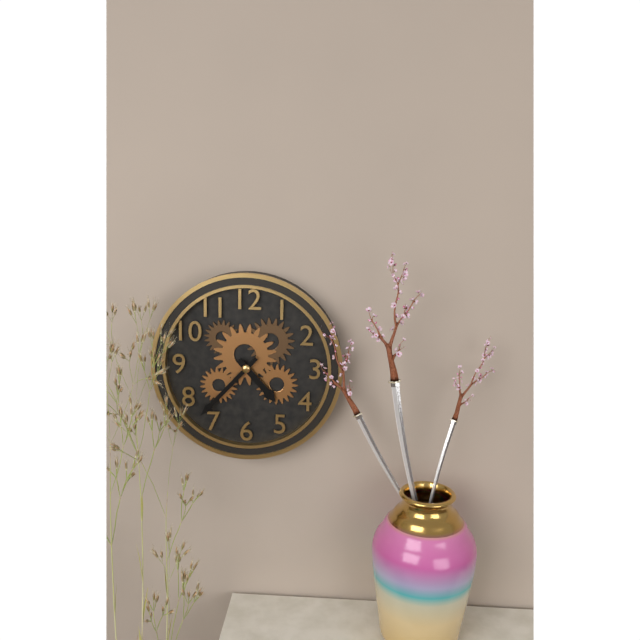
4:37
